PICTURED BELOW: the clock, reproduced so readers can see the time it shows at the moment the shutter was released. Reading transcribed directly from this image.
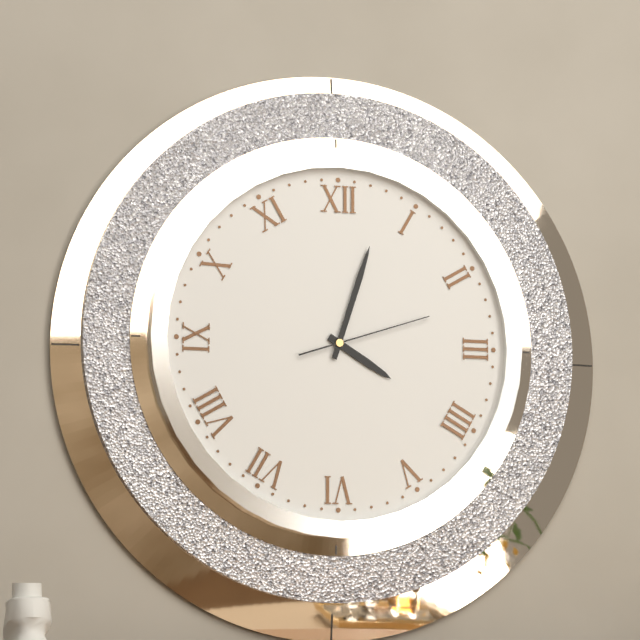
4:03:12
